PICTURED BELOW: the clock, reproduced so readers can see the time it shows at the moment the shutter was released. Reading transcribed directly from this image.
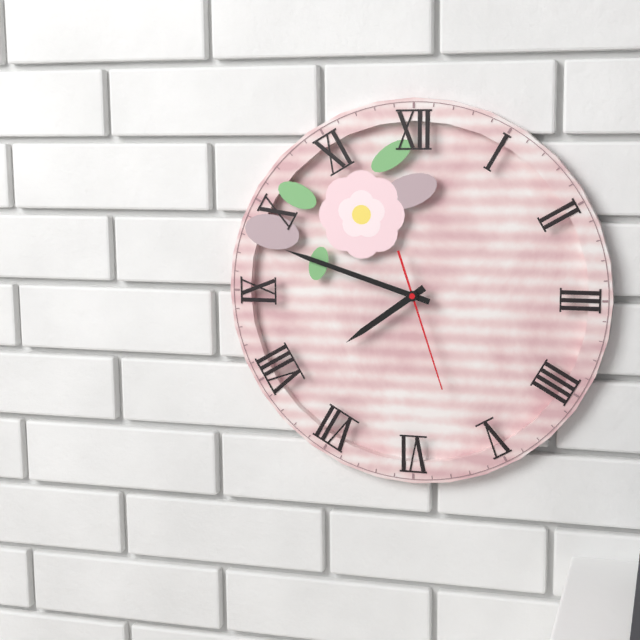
7:48:27
